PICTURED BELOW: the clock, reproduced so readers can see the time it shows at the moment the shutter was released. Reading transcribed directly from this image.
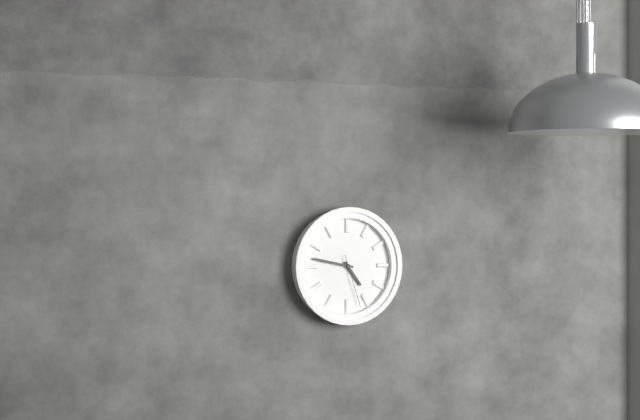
4:47:27
